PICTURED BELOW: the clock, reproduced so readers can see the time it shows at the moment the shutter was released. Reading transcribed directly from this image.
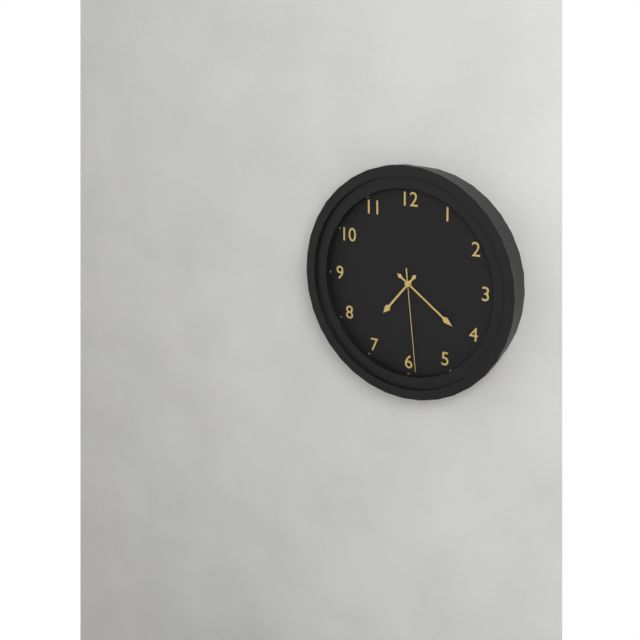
7:21:29
